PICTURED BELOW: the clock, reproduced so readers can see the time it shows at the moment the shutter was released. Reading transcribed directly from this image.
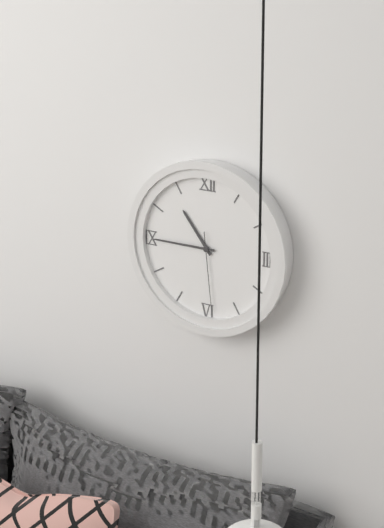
10:45:29
